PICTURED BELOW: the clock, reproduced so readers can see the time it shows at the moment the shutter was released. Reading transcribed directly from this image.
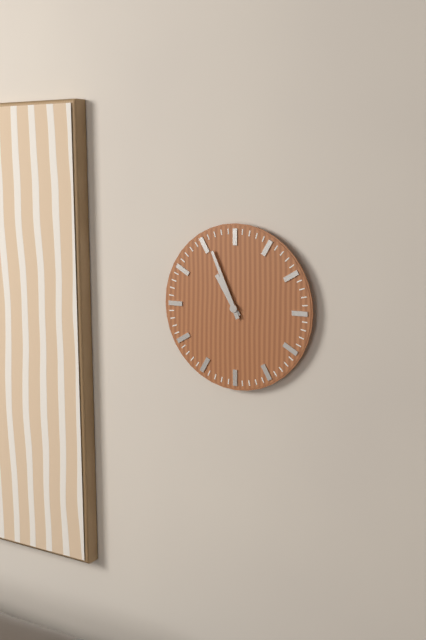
10:56
